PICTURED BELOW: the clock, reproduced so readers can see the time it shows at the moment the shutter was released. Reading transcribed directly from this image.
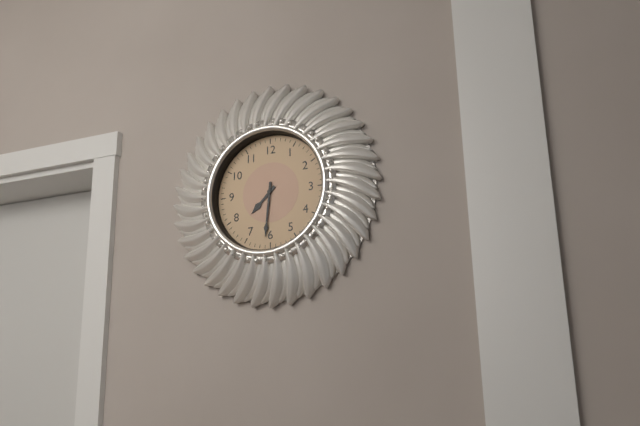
7:31
